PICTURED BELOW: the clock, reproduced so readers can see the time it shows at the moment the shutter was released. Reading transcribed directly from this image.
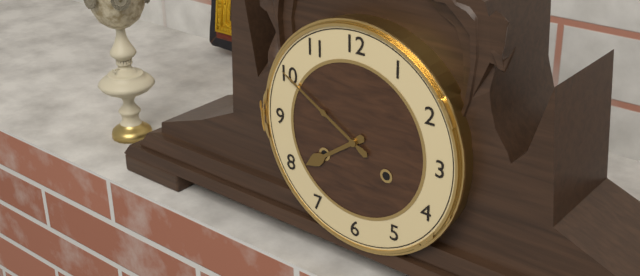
7:50
